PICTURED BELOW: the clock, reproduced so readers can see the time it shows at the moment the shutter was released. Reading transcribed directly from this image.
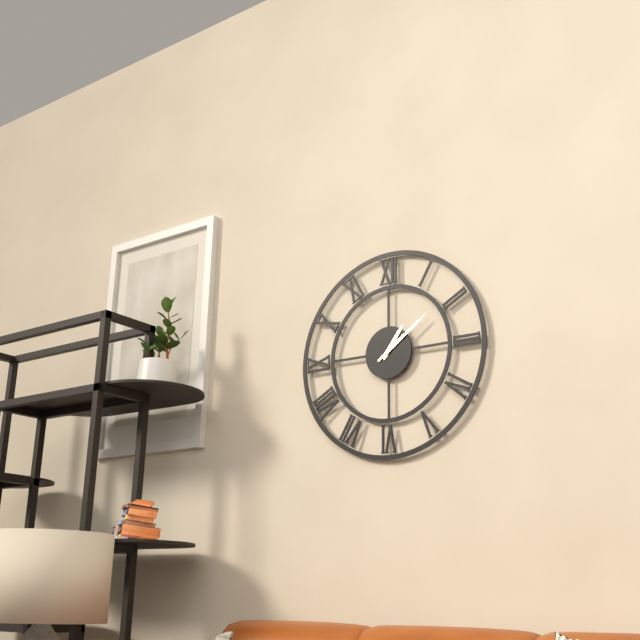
1:09
